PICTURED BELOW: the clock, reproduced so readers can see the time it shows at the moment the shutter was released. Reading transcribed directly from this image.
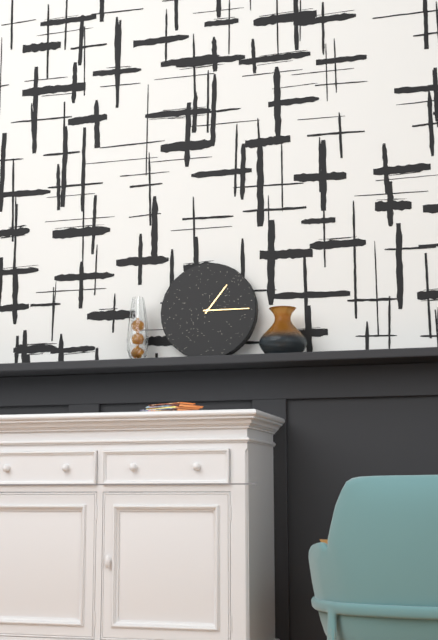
1:15
